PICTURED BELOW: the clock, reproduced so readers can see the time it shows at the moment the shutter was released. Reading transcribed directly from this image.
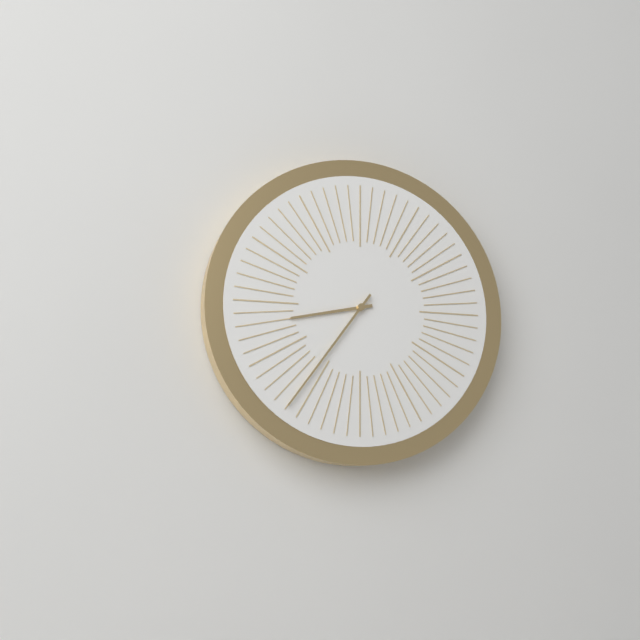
8:36
